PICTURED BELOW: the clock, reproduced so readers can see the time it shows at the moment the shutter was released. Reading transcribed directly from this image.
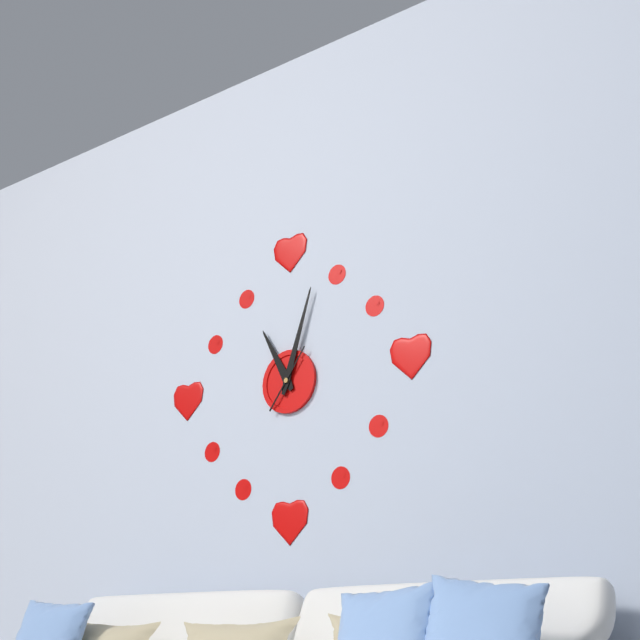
11:03
